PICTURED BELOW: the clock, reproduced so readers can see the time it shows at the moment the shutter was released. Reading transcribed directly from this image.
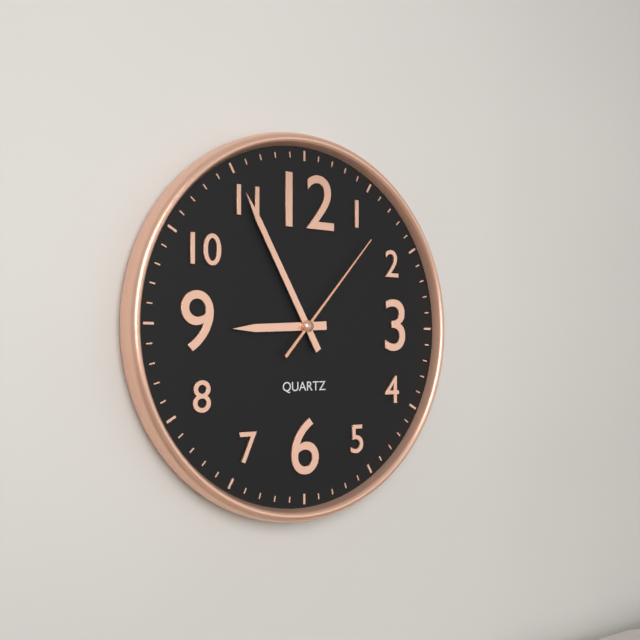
8:55:07
